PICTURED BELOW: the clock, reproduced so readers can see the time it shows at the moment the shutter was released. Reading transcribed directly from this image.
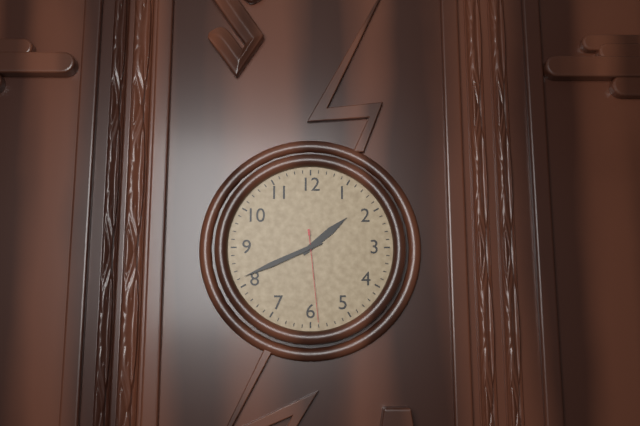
1:41:29
